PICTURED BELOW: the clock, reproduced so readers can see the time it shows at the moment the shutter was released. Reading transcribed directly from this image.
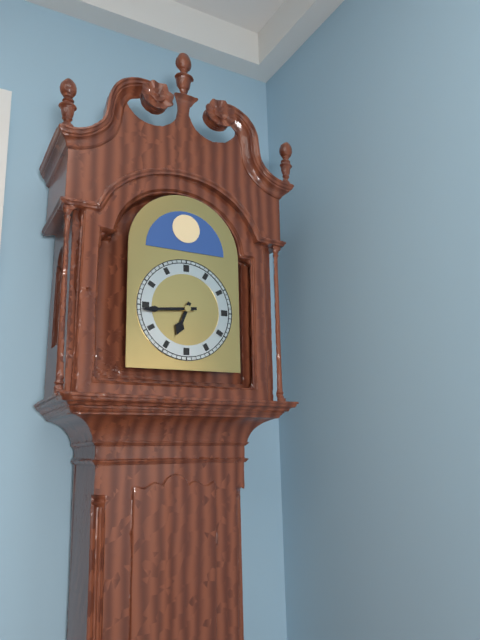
6:44
